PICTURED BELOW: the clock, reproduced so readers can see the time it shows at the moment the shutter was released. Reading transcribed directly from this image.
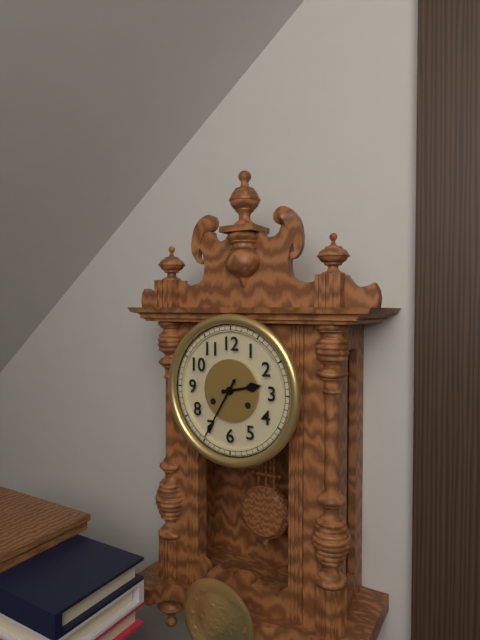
2:35
